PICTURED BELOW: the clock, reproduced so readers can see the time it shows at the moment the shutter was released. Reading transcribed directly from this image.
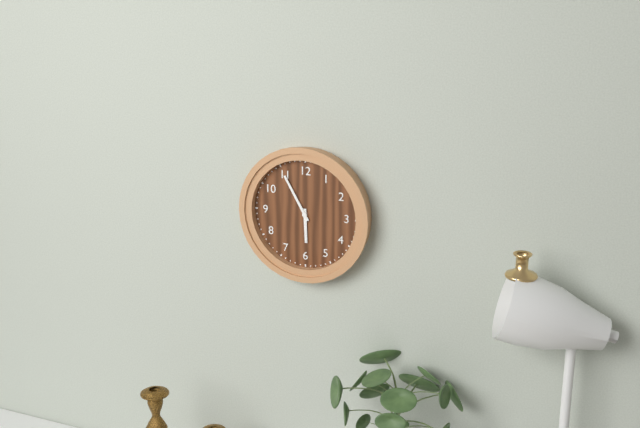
5:55
